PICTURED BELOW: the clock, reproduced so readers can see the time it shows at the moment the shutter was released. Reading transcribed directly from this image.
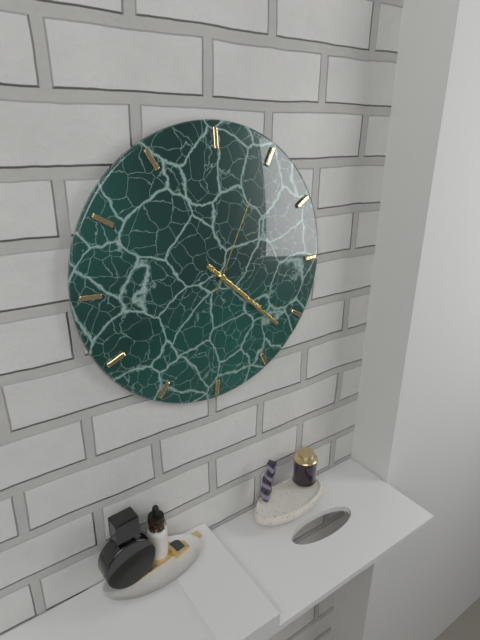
4:22:04
